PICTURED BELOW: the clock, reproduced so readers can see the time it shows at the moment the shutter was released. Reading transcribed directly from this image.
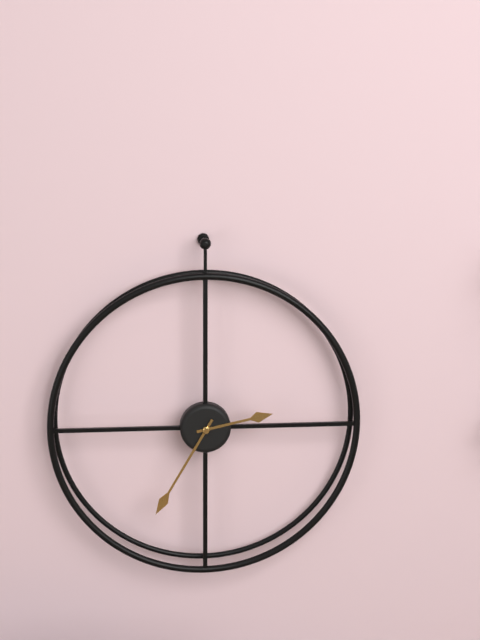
2:35
